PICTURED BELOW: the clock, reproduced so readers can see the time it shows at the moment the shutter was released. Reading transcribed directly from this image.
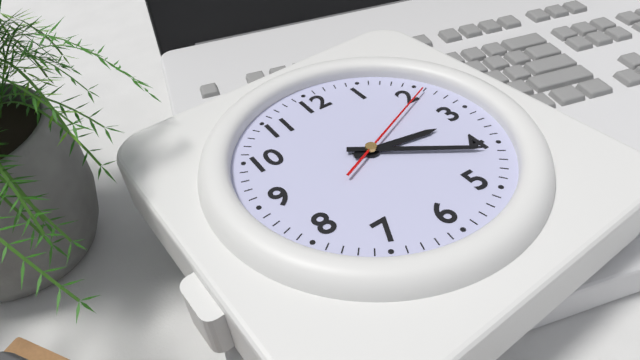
3:21:11
